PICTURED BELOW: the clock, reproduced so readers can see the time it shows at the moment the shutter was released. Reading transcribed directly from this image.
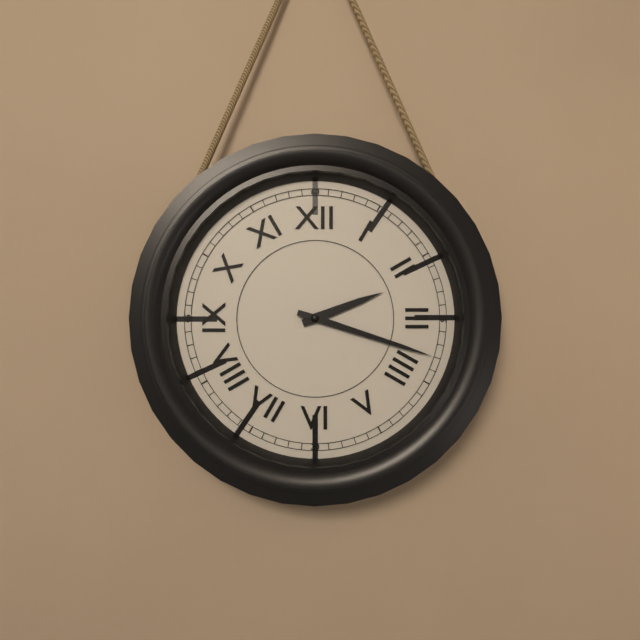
2:18
